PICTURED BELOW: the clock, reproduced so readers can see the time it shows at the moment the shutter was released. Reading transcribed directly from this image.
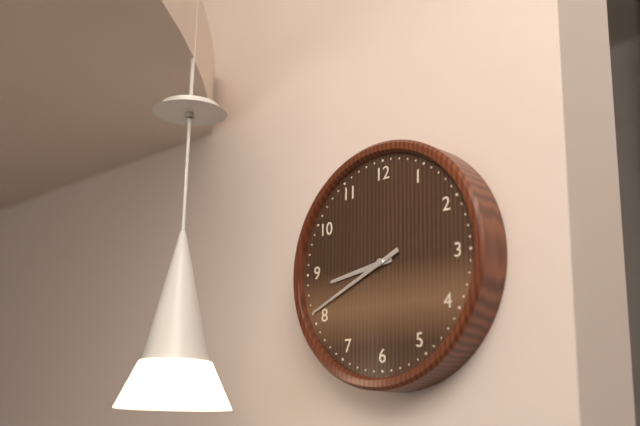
8:41
